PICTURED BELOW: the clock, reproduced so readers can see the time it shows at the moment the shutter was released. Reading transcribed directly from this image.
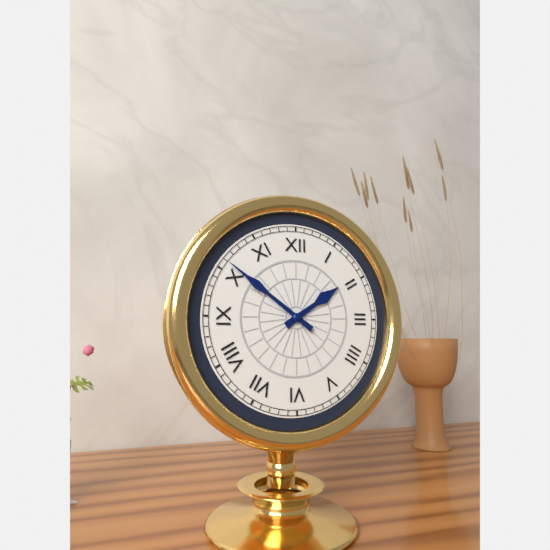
1:51
